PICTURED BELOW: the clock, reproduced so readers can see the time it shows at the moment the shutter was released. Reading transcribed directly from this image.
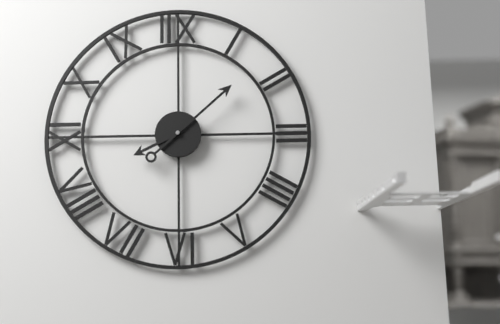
8:08
